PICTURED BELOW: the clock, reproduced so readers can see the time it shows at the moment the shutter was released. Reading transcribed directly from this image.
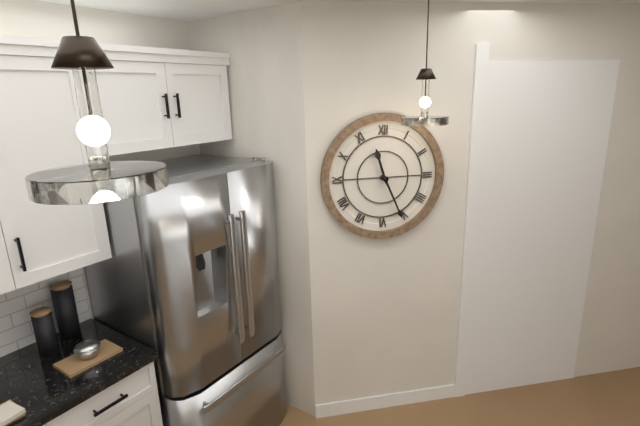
11:26
